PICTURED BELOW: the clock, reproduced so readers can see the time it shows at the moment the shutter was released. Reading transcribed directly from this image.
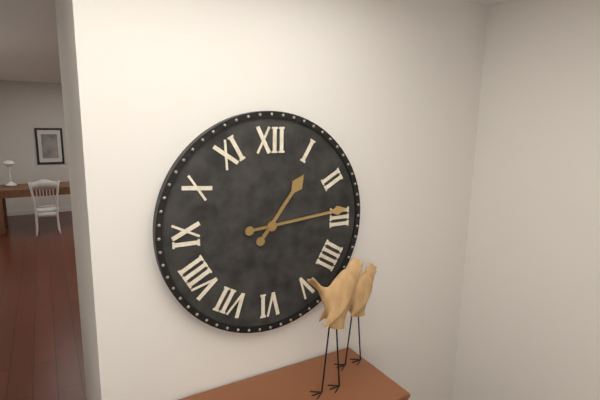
1:14
